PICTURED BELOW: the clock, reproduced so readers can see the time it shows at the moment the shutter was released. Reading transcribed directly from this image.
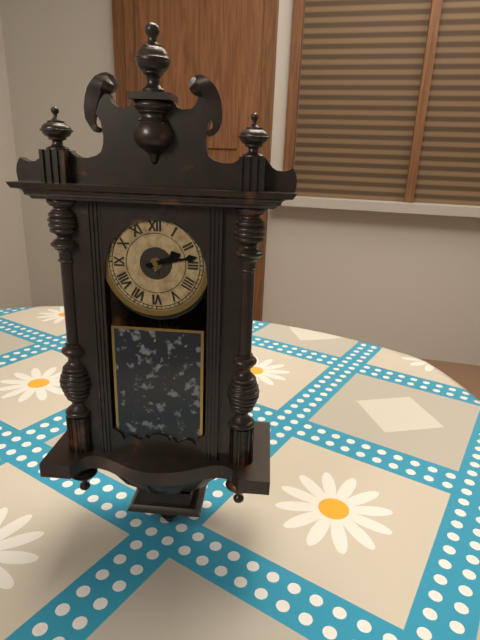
2:13
